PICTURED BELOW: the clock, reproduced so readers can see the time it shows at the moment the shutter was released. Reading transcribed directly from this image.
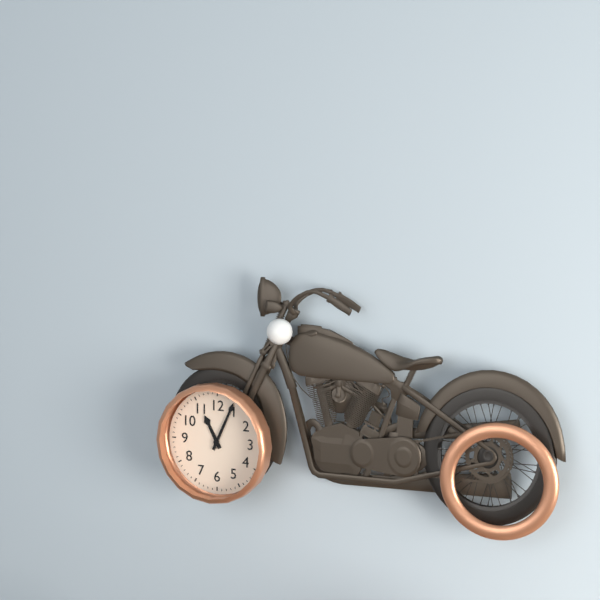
11:04
